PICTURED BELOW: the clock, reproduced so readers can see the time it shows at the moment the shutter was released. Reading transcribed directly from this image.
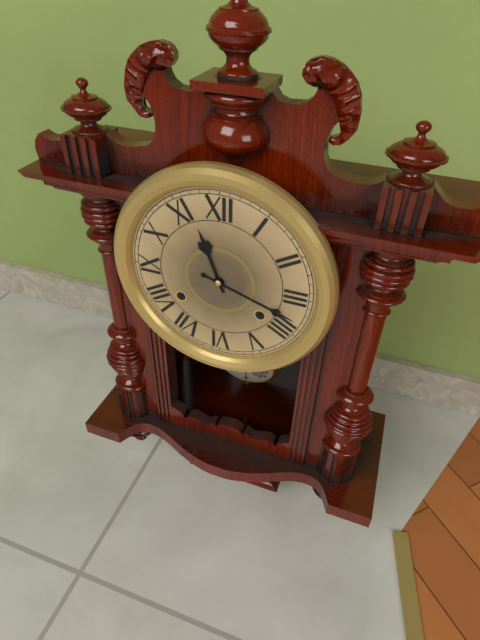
11:18
